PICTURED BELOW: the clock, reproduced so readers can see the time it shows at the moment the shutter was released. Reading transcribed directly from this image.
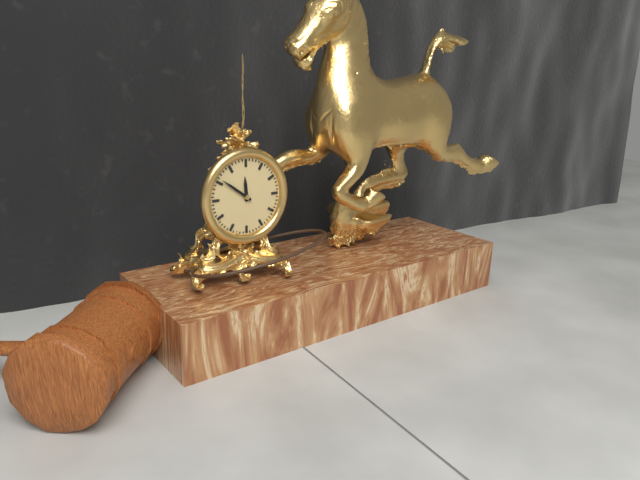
11:51
